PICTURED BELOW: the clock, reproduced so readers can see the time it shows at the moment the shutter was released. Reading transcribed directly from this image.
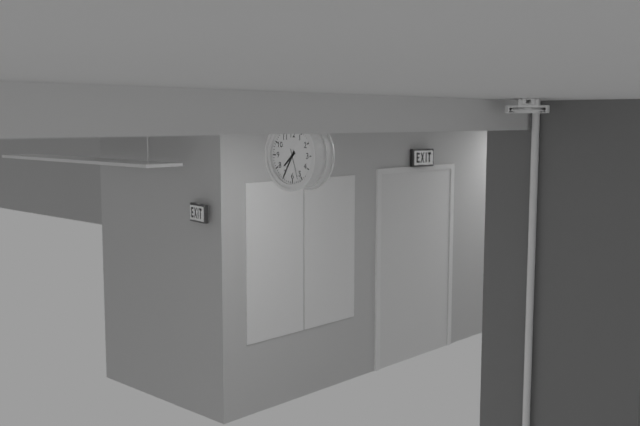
7:35
